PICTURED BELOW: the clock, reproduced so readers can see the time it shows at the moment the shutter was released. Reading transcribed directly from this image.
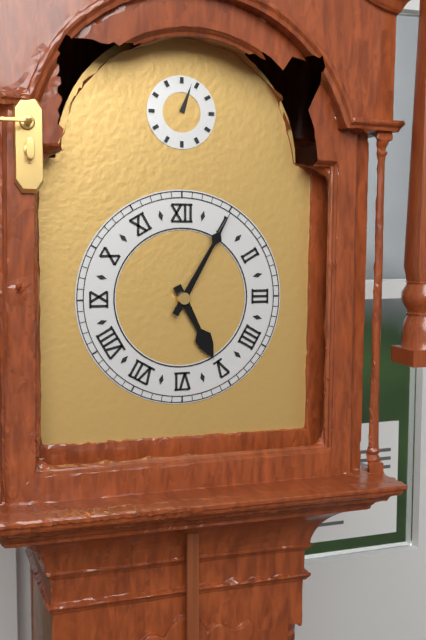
5:05
